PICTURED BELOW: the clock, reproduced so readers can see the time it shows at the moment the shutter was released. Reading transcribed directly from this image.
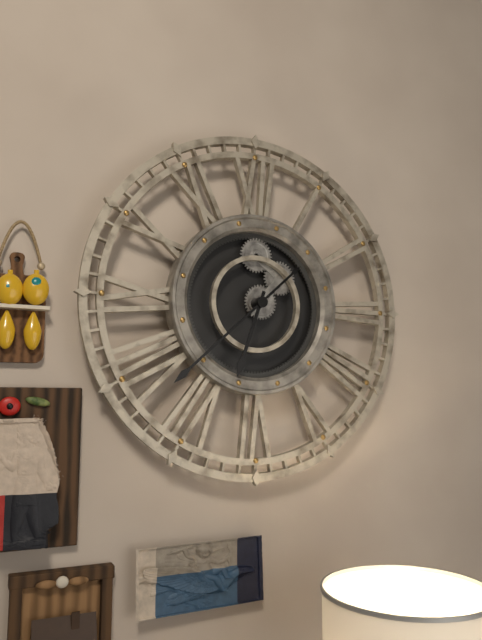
6:38
